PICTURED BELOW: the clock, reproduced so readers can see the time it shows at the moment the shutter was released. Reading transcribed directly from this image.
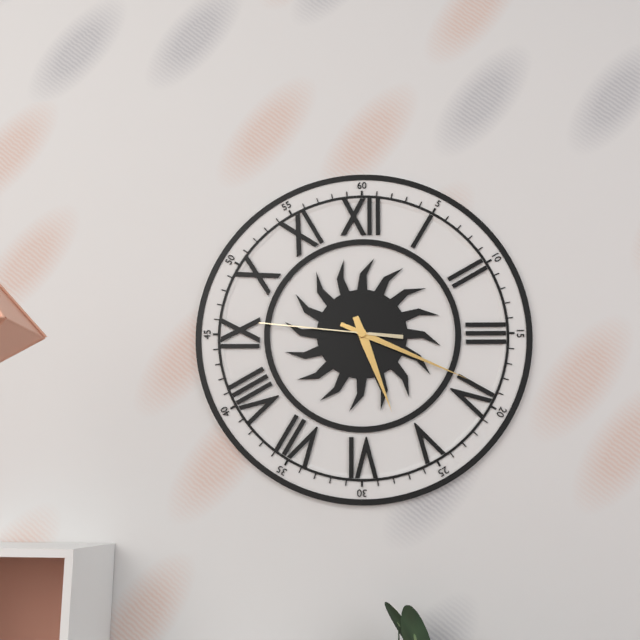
5:19:46
